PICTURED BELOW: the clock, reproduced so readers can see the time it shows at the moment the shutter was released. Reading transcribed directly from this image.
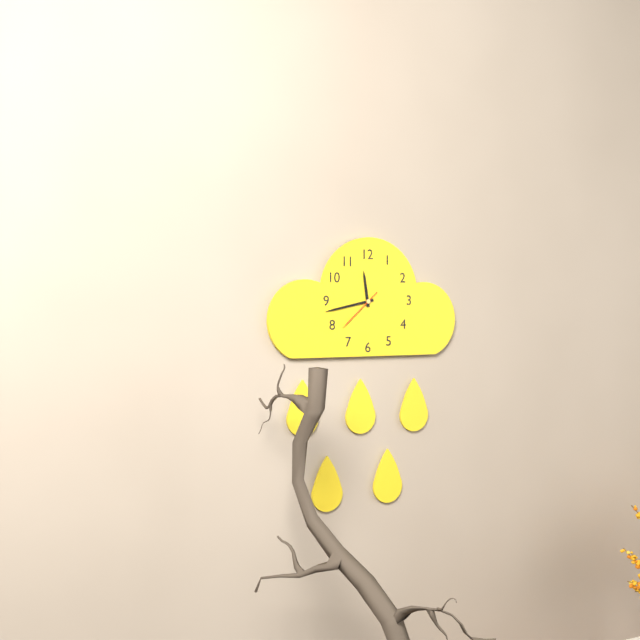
11:43
